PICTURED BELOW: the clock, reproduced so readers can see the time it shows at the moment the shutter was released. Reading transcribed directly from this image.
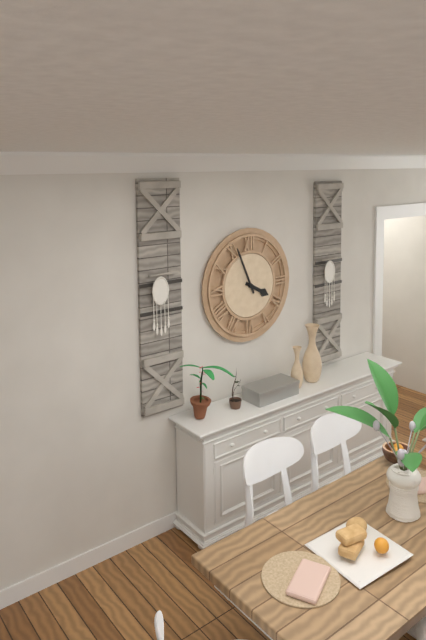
3:56
